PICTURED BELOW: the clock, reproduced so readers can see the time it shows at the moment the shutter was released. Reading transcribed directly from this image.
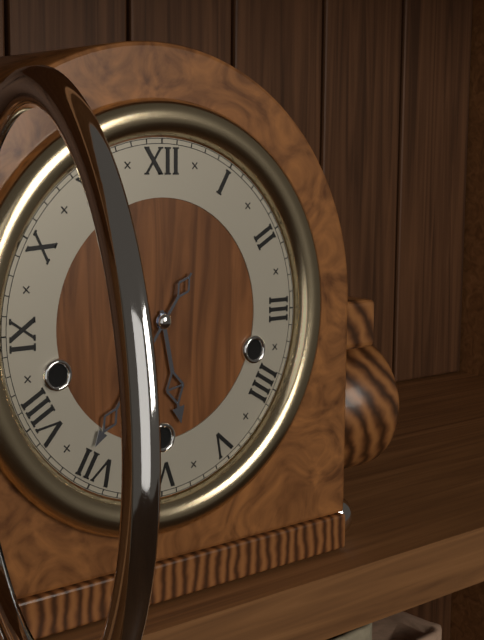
5:36
